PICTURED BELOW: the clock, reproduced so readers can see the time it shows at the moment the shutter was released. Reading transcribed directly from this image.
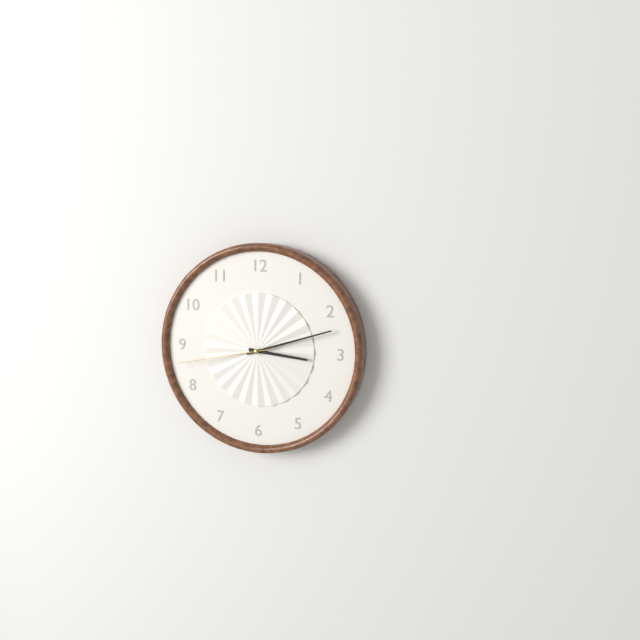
3:12:43
